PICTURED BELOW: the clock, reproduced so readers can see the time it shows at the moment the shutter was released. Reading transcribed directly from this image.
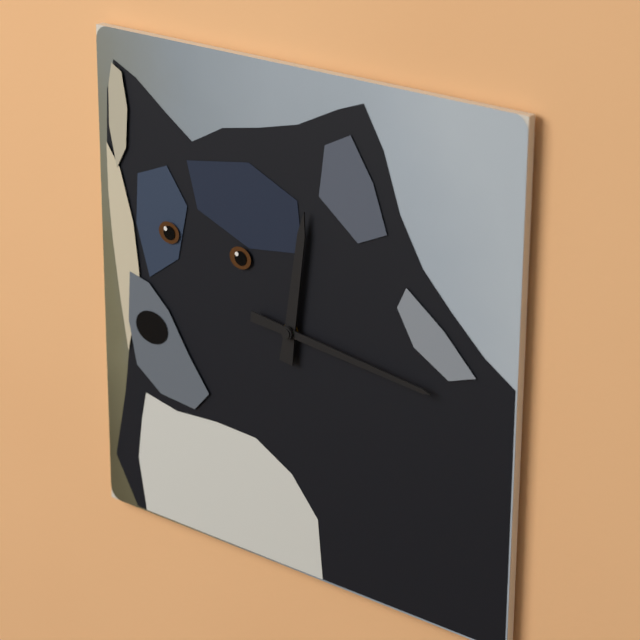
12:16
